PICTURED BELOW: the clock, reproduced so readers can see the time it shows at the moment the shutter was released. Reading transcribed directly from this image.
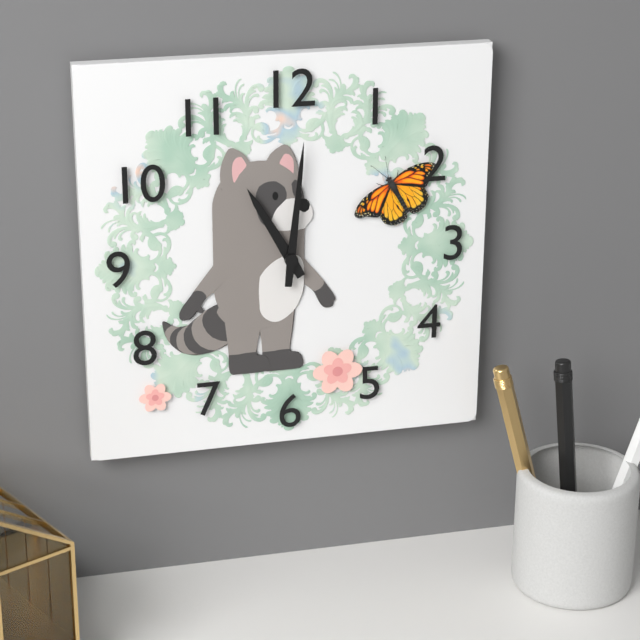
11:01
